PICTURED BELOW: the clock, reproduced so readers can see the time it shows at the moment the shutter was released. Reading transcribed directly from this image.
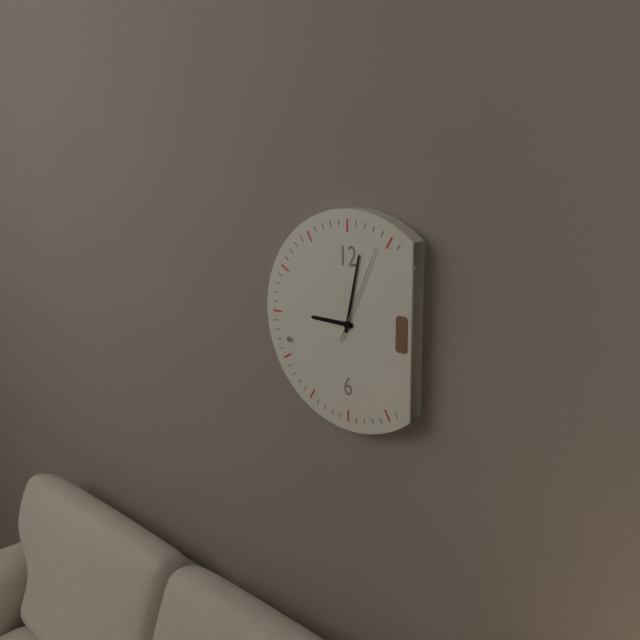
9:02:04
